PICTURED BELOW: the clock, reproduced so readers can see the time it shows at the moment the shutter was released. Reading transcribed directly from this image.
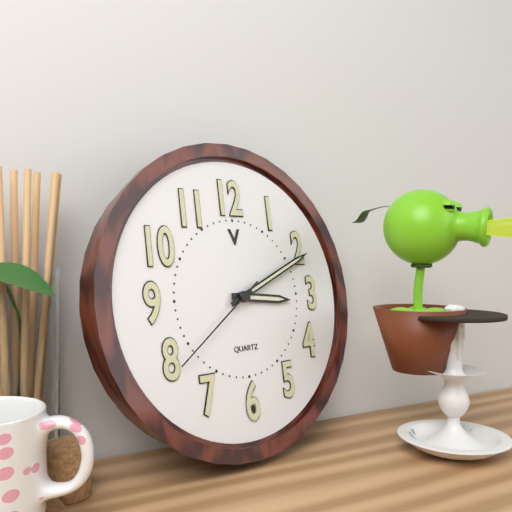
3:11:39
